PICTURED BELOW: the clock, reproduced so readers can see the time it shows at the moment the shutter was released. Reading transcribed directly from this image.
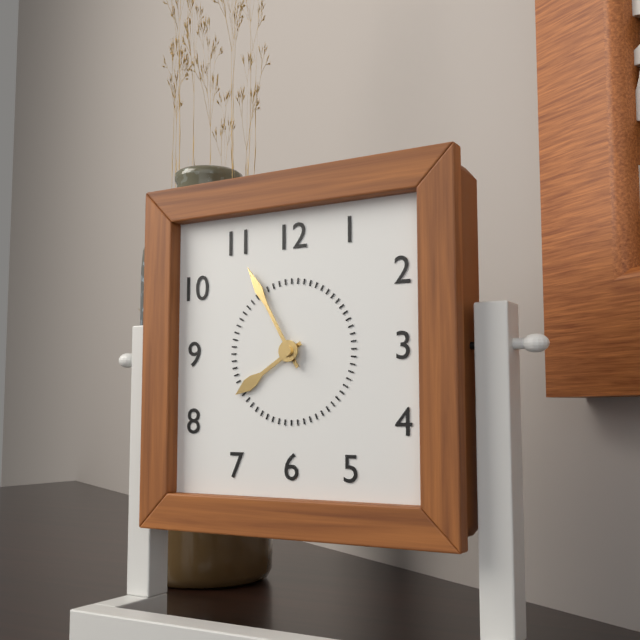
7:55
